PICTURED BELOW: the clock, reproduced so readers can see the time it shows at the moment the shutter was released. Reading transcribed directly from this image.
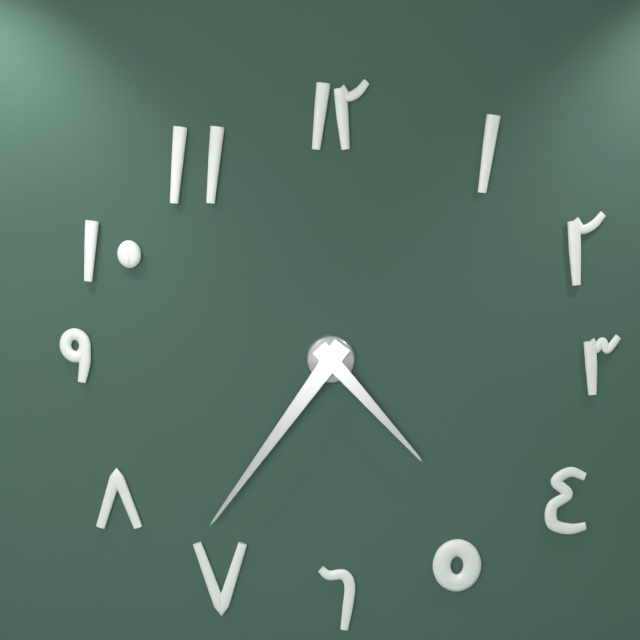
4:36
